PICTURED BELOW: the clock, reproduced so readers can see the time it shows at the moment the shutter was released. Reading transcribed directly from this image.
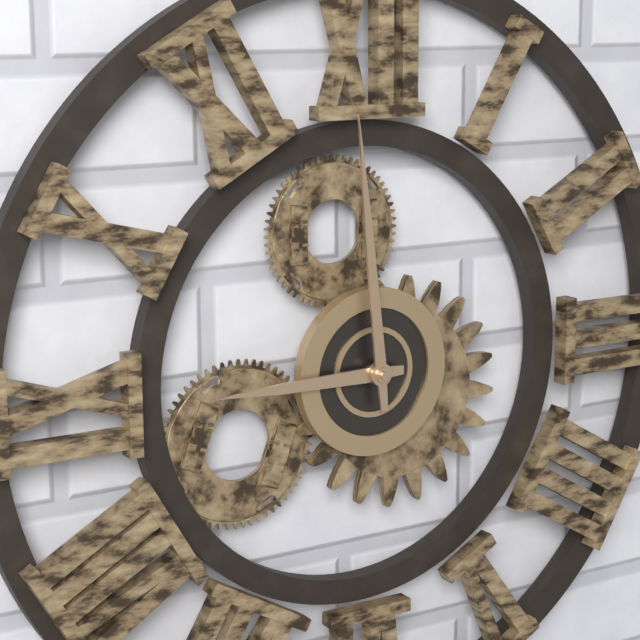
8:59
